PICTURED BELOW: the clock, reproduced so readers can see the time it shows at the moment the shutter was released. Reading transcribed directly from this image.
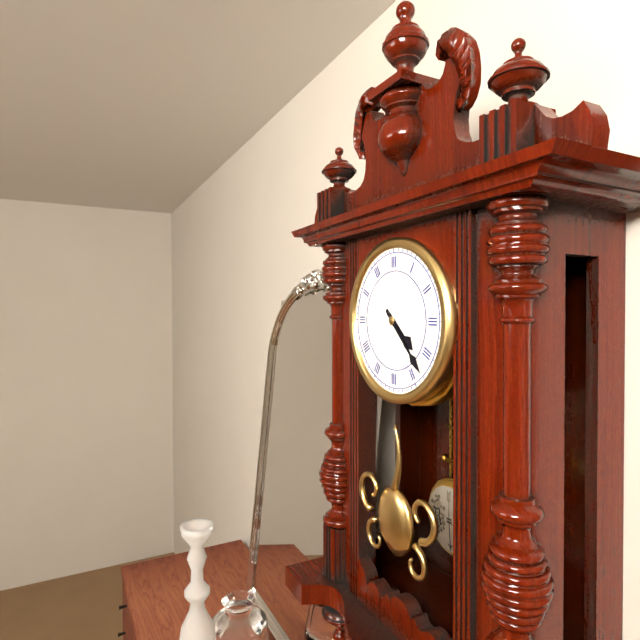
4:23
